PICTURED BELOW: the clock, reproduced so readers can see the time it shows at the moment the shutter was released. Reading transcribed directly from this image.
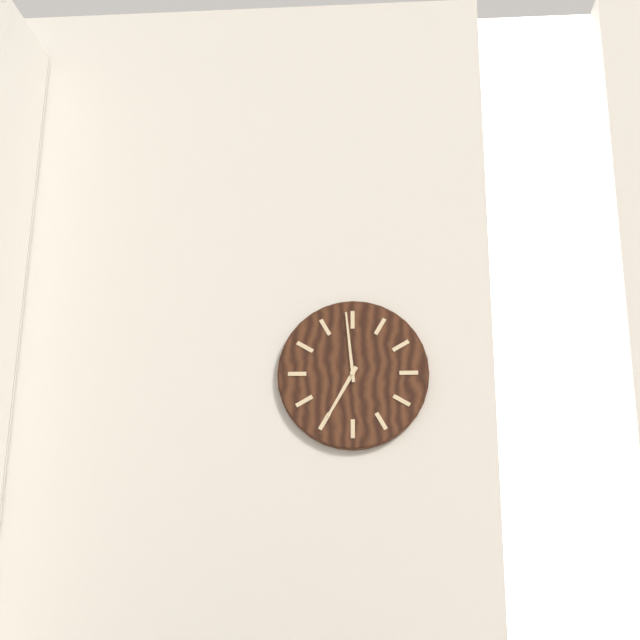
6:59
